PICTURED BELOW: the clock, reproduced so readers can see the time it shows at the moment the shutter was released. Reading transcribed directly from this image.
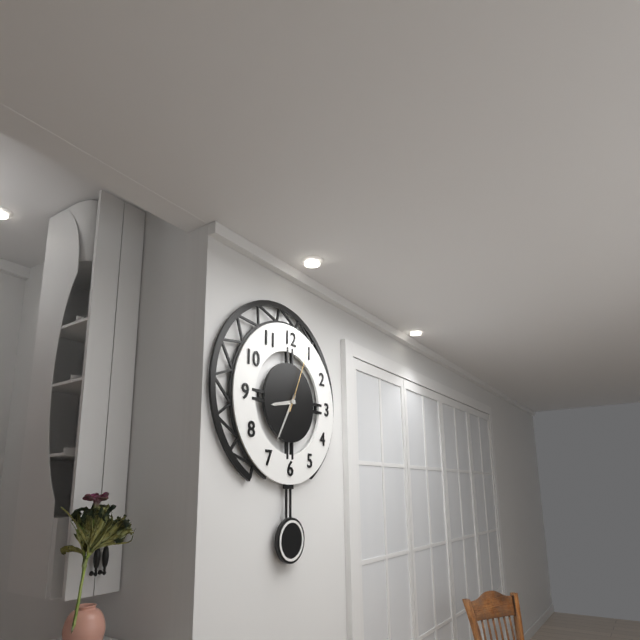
8:35:04
